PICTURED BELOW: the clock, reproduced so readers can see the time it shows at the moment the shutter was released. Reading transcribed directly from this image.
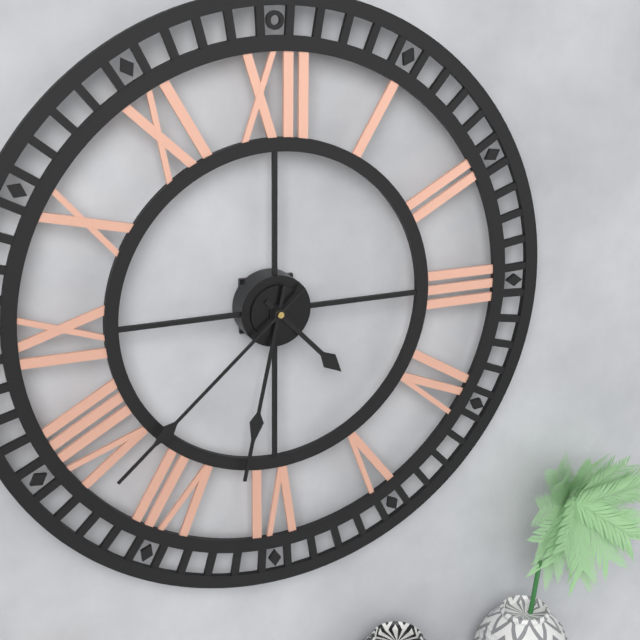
4:32:38
